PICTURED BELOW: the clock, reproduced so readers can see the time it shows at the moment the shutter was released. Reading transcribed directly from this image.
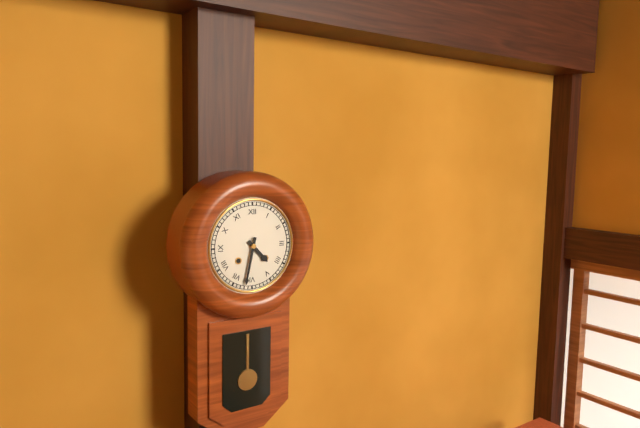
4:32
